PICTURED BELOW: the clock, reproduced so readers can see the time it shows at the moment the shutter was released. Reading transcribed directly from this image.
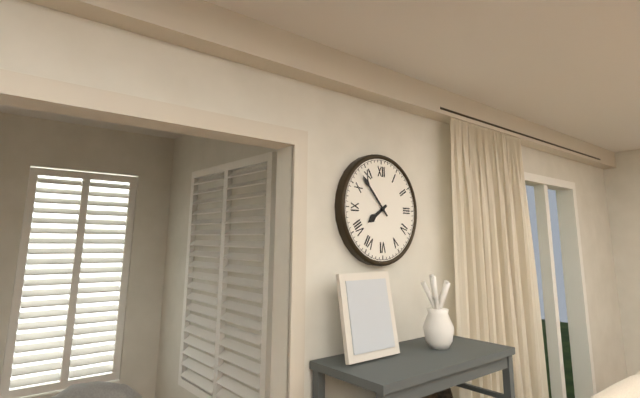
7:53
